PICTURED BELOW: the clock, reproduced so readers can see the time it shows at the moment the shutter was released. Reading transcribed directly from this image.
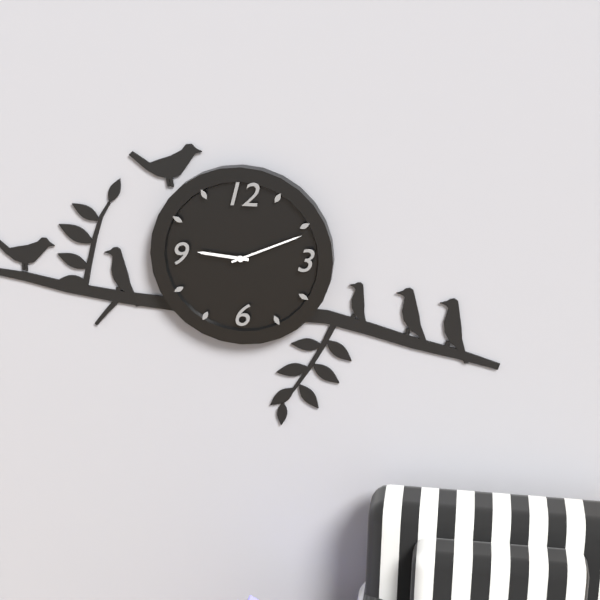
9:11
